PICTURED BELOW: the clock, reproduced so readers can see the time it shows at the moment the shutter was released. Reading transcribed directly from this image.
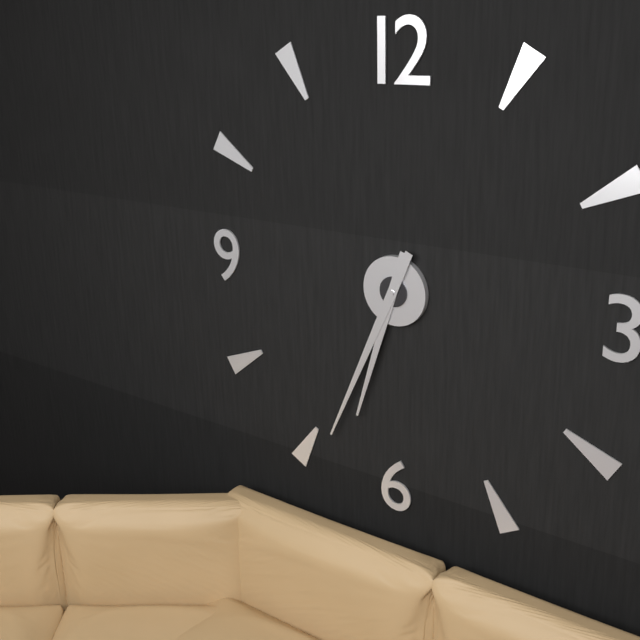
6:34
